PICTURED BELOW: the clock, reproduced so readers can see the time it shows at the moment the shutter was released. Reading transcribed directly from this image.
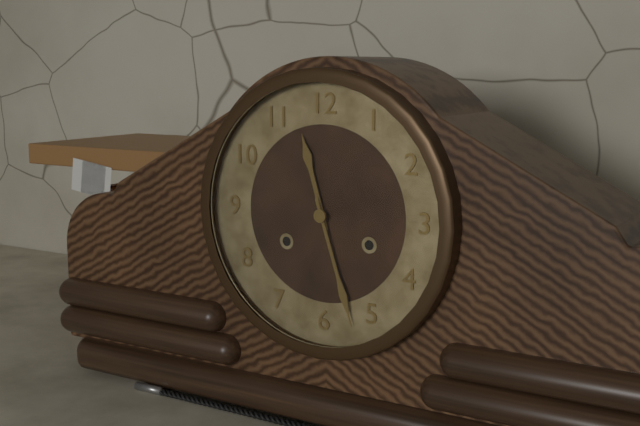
11:27
